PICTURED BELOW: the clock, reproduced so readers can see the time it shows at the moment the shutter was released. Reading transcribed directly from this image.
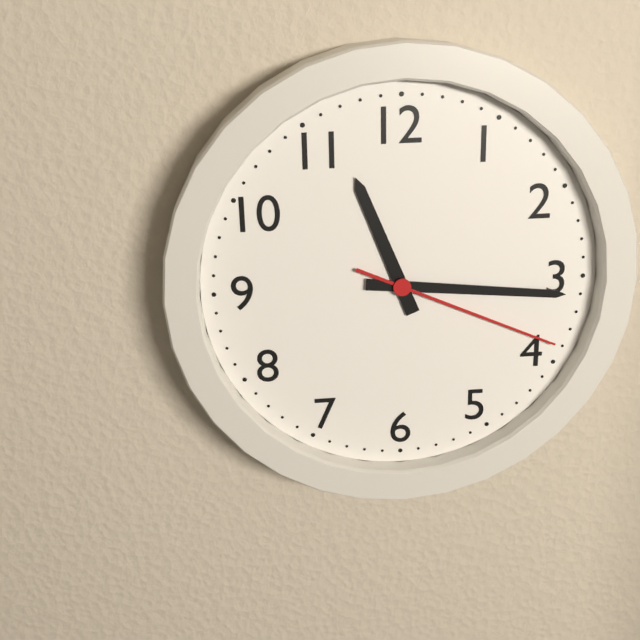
11:16:19
